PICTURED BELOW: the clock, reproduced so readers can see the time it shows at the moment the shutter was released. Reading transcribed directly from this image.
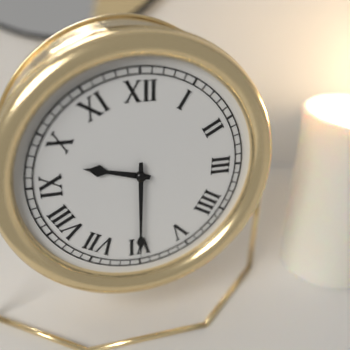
9:30
